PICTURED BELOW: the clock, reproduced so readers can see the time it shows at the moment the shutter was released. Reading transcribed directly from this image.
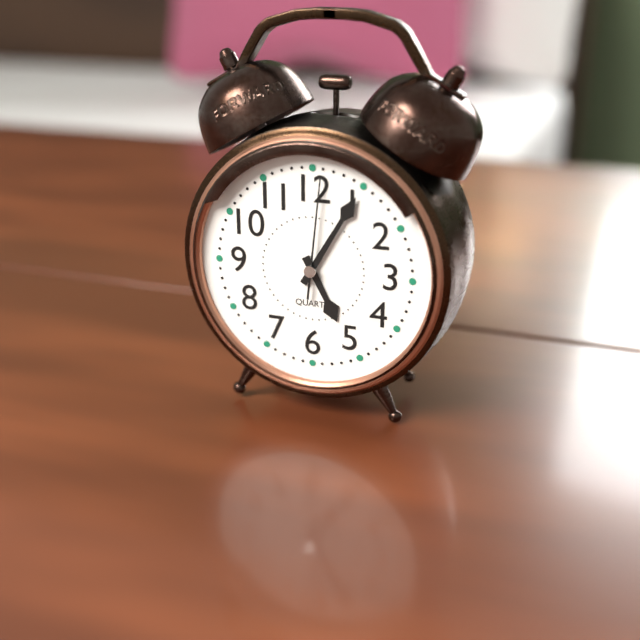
5:05:01
